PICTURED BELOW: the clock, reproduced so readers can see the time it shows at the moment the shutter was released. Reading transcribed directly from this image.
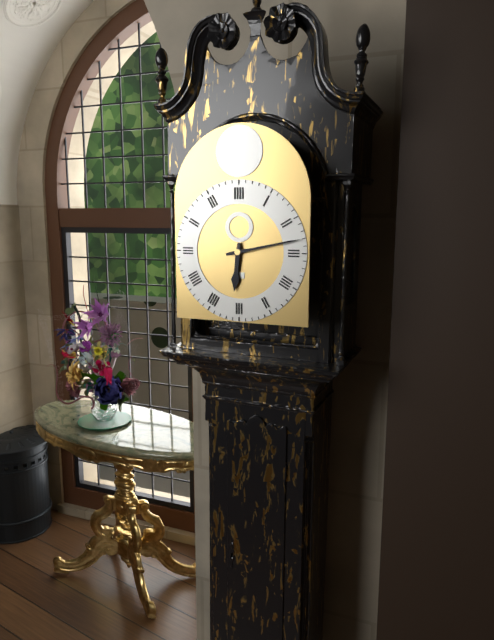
6:13
